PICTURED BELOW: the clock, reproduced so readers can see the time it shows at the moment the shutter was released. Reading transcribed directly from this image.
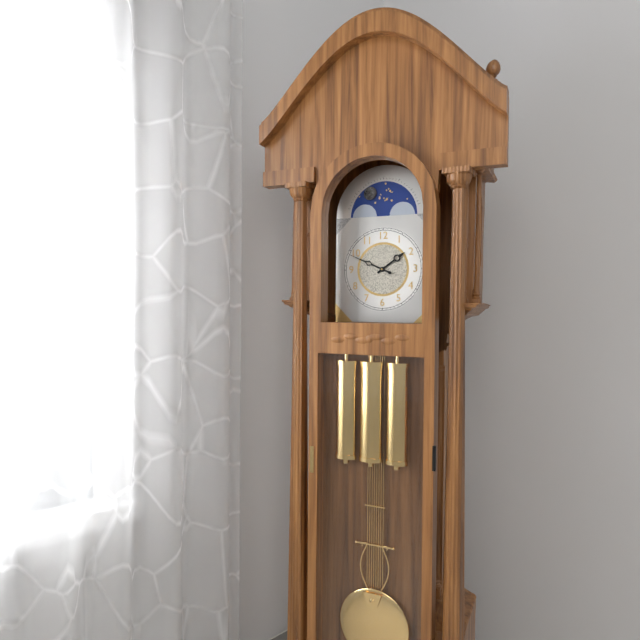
1:49
